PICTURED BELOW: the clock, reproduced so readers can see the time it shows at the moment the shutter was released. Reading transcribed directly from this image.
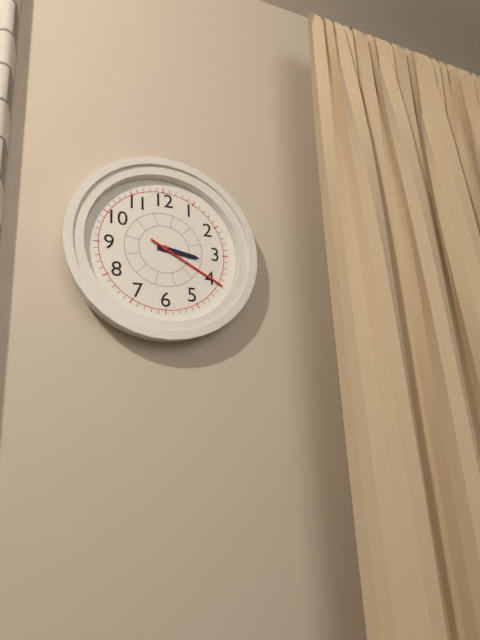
3:20
